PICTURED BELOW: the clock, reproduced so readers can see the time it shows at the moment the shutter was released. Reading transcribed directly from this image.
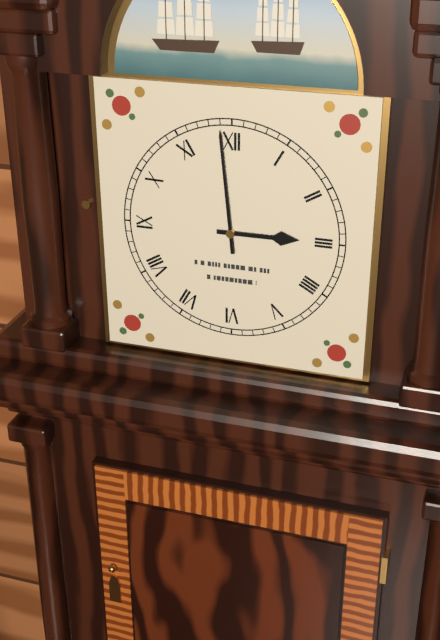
2:59
